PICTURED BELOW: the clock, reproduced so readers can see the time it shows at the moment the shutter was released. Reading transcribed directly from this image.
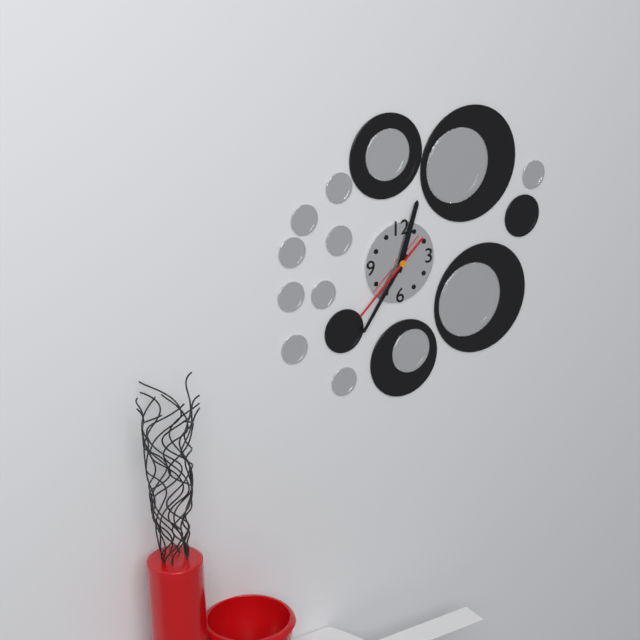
12:36:38
